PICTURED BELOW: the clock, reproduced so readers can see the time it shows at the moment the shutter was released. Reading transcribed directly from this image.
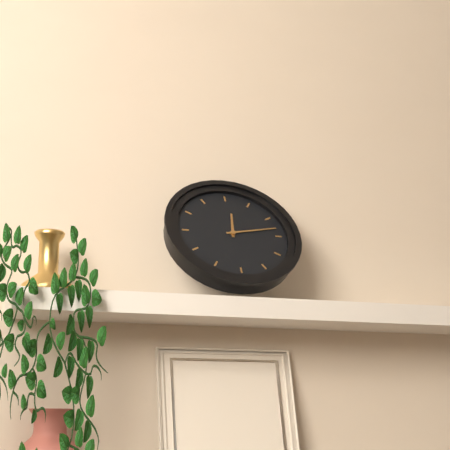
12:13
